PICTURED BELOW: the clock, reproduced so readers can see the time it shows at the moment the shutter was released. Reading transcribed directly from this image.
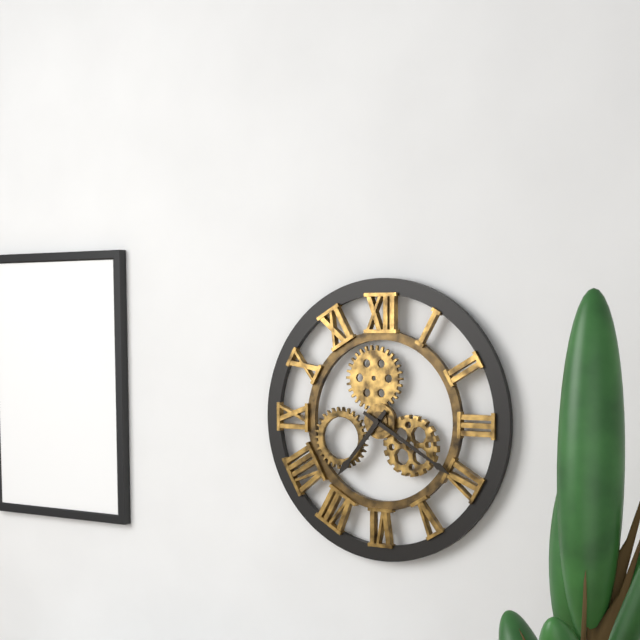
7:20
